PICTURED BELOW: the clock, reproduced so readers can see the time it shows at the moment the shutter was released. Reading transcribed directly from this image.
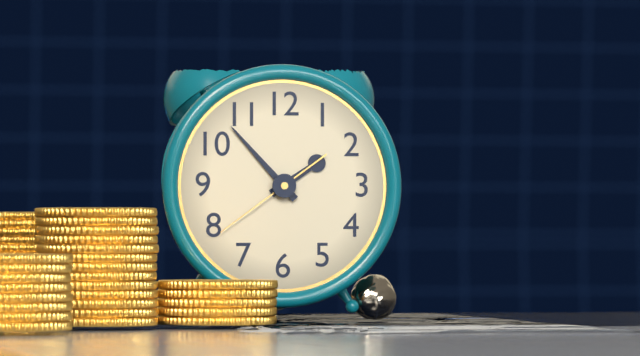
1:53:39
